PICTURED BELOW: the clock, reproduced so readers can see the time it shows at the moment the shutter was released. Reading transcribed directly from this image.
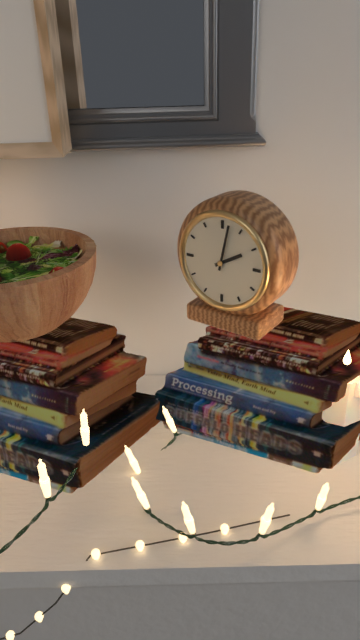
2:02
